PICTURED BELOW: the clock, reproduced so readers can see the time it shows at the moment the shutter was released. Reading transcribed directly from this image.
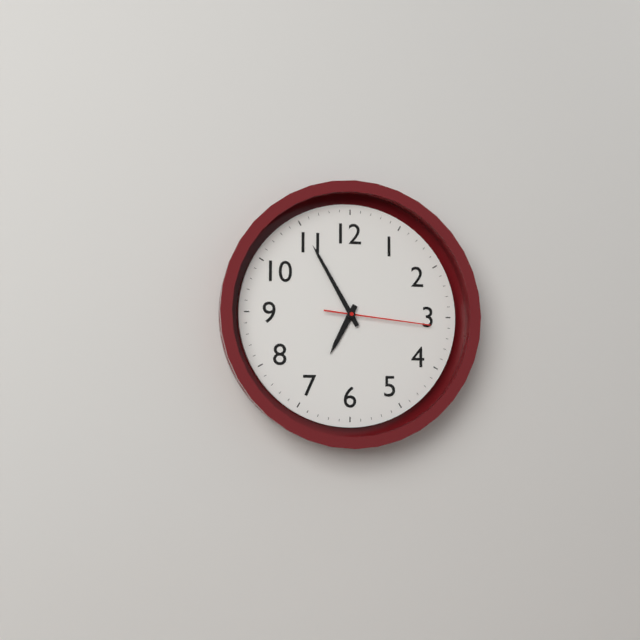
6:55:16
